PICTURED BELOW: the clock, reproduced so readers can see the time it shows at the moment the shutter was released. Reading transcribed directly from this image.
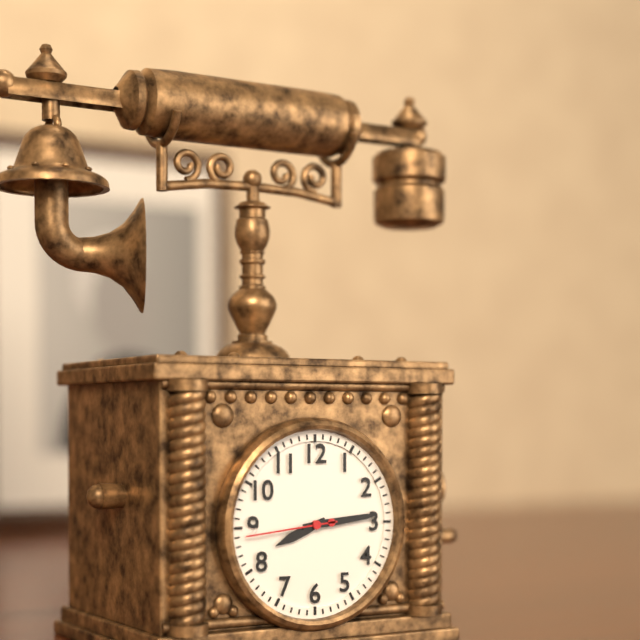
8:14:44
